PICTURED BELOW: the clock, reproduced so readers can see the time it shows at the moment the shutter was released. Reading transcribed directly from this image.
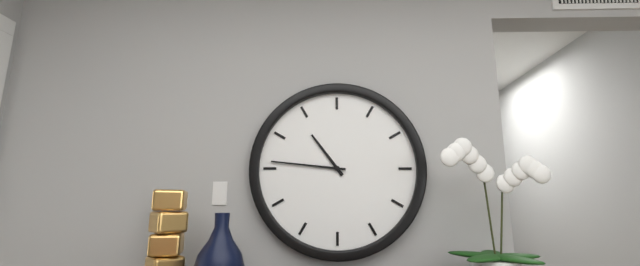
10:46
